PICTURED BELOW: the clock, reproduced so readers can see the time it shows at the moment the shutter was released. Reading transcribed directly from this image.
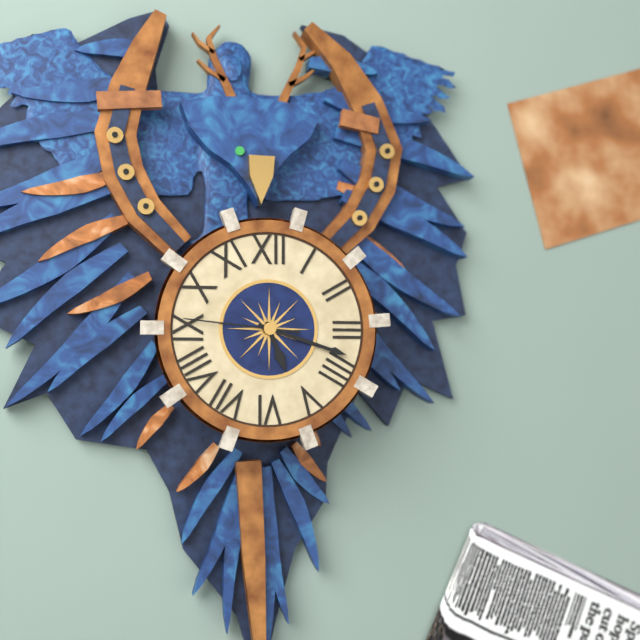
5:18:46
